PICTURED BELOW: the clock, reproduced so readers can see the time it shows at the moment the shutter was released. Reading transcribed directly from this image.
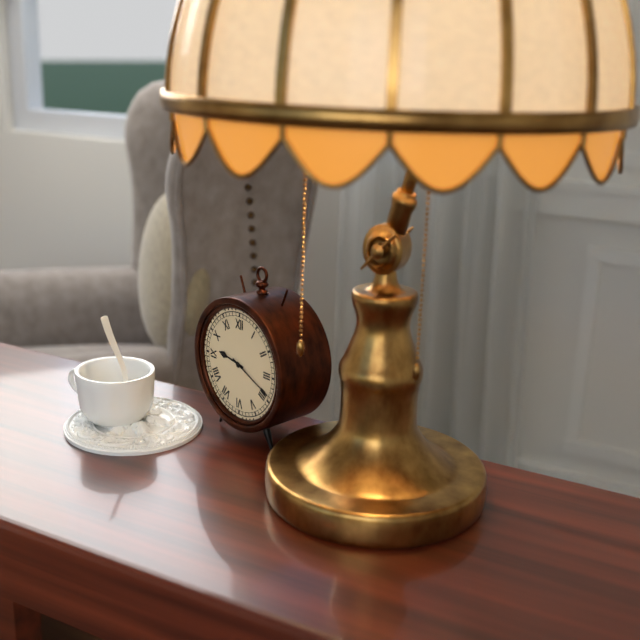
9:19
